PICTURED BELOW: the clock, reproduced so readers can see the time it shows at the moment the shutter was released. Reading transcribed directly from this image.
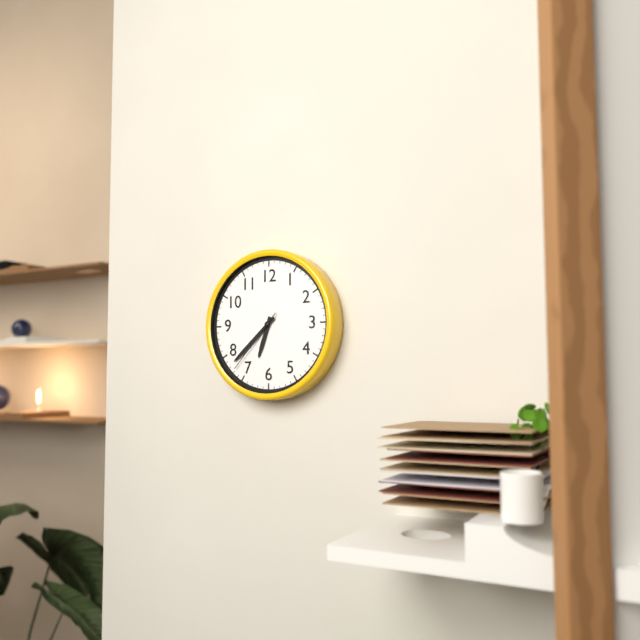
6:38:37
